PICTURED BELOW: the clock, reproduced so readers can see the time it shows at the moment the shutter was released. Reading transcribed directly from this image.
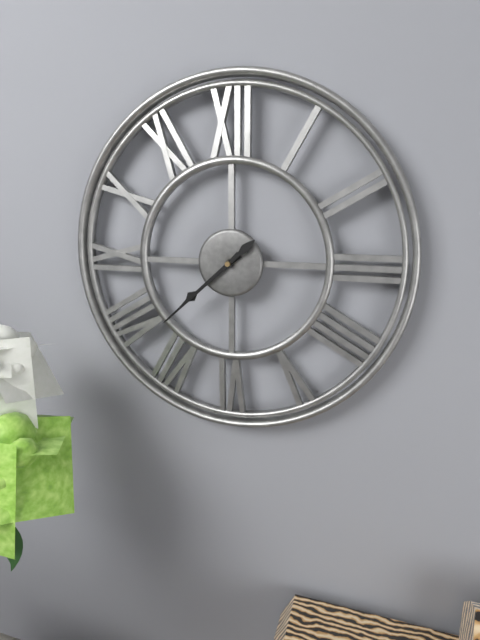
7:38
